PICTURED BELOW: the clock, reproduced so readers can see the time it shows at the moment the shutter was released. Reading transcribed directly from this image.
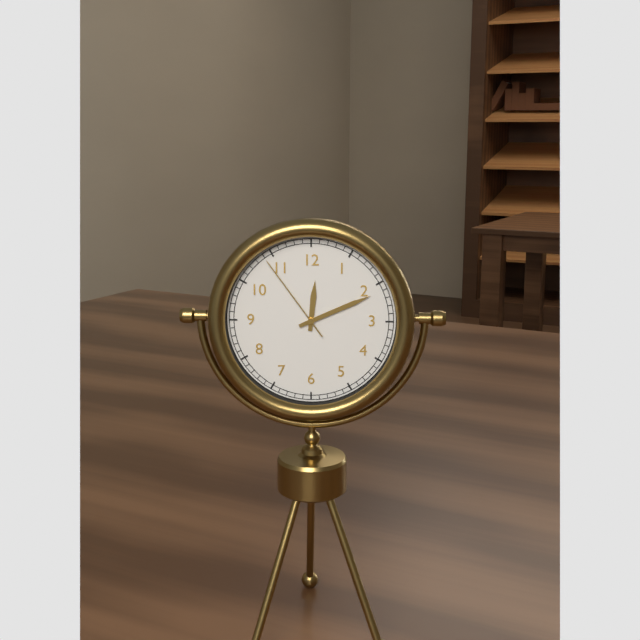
12:11:54
